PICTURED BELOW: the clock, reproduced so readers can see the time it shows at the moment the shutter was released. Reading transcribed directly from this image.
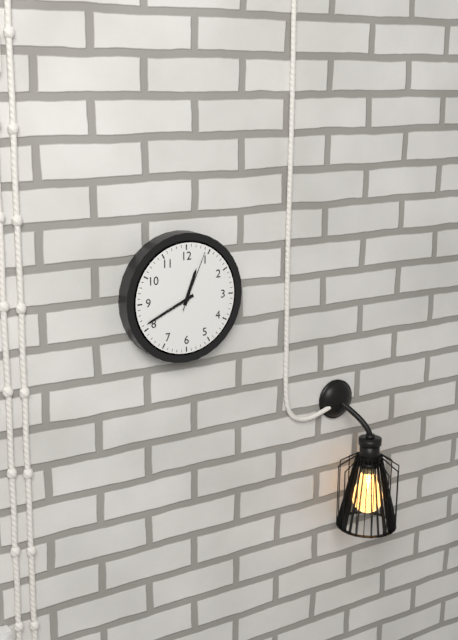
12:41:04
